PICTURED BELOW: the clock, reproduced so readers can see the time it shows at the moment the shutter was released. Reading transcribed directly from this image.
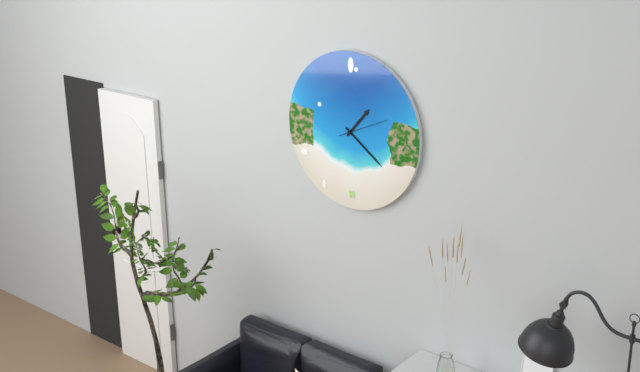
1:21
